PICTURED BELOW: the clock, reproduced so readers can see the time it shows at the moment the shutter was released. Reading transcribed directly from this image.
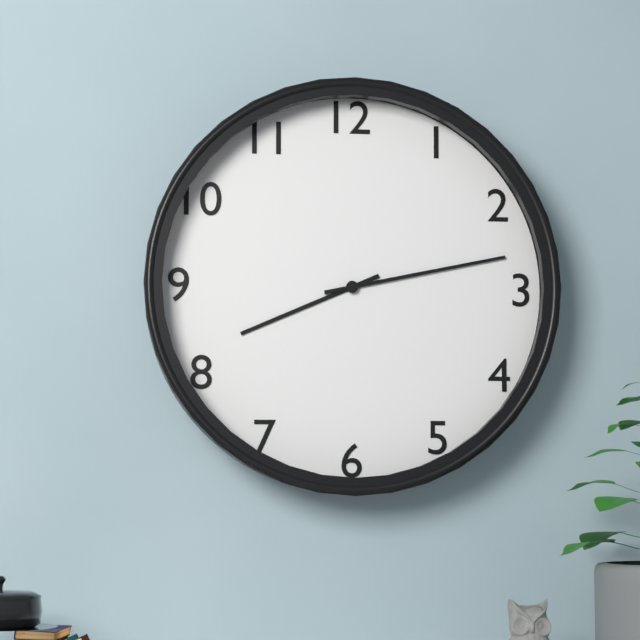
8:13
